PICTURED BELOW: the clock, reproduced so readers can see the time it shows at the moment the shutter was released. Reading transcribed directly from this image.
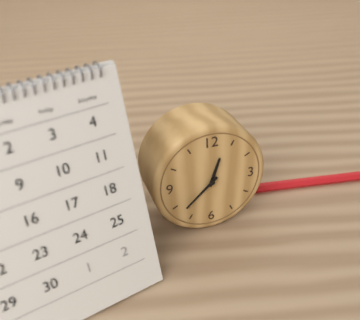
12:38
